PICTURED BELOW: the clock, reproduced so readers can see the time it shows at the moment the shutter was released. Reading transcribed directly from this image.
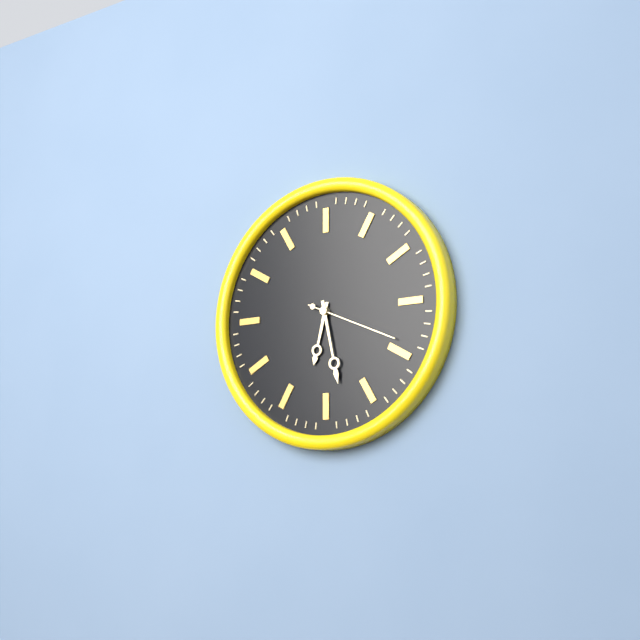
6:28:19
